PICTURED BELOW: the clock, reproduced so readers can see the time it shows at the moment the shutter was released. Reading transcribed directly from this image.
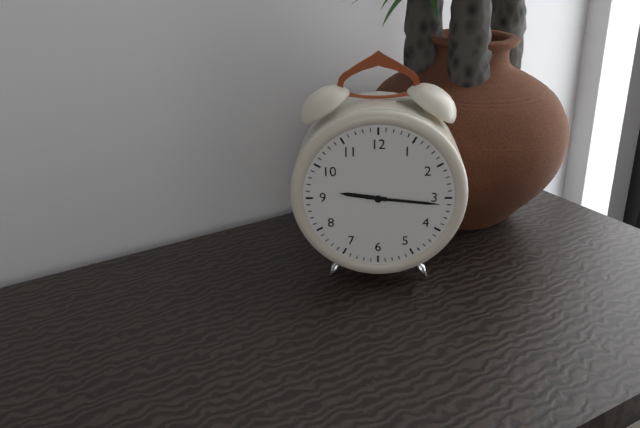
9:16
